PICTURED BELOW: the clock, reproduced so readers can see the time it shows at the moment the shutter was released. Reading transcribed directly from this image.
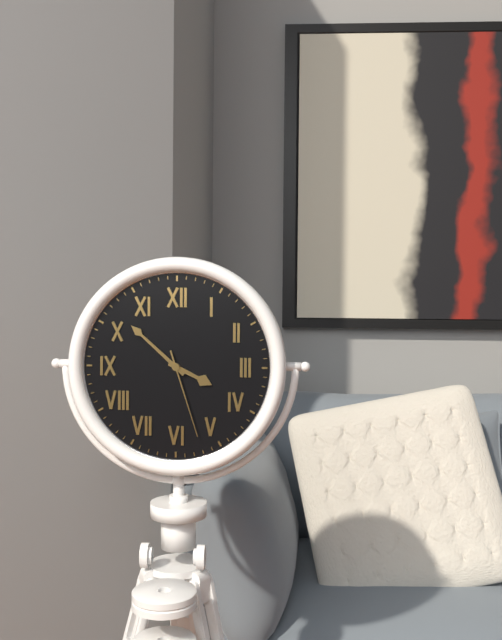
3:52:27
